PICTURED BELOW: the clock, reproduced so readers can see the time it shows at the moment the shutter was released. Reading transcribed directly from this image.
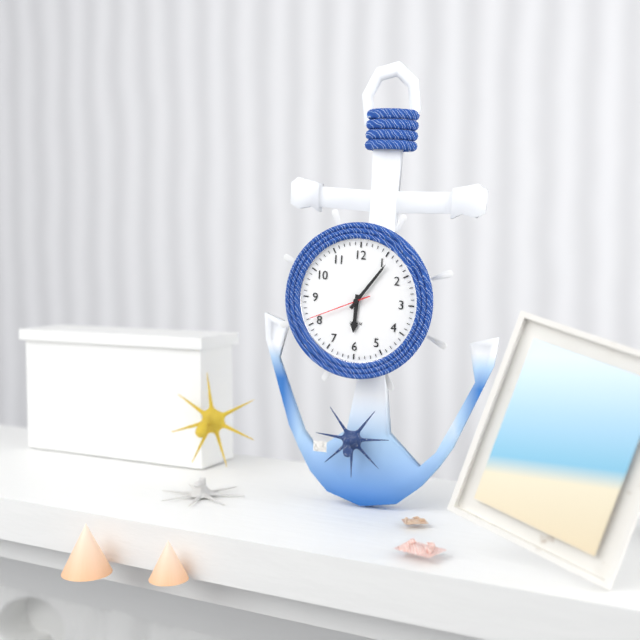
6:06:41
